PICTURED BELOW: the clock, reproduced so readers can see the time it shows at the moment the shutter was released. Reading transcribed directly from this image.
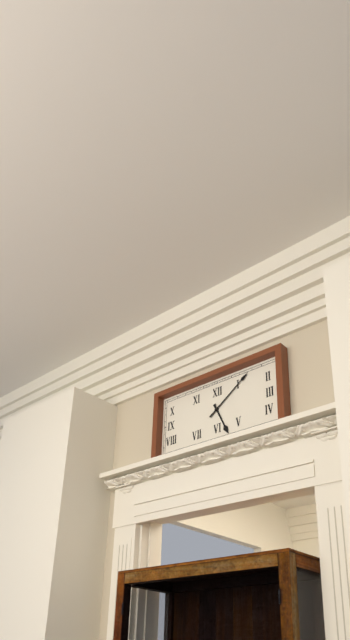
5:09
